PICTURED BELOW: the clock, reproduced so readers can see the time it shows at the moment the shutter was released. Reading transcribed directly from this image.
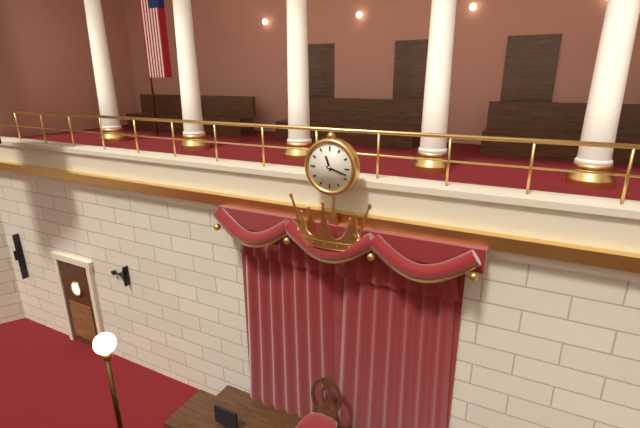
11:18
